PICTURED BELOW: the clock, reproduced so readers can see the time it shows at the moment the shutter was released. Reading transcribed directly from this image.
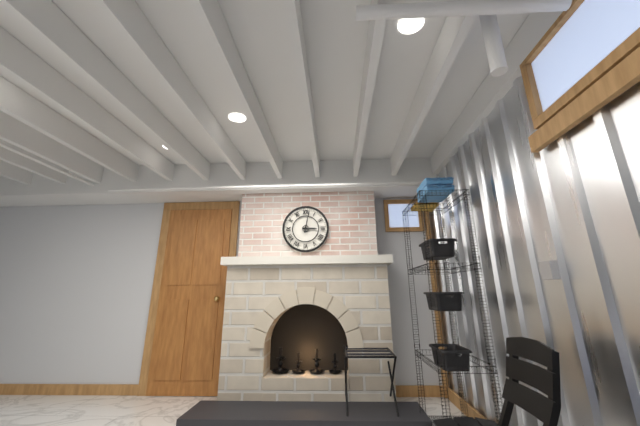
3:02
